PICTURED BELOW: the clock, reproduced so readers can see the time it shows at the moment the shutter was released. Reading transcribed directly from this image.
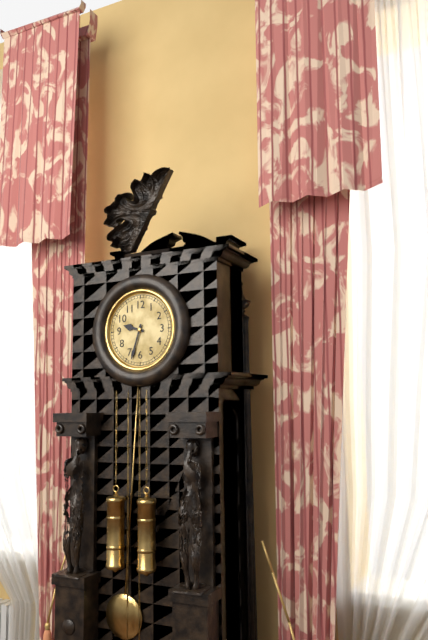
9:33
